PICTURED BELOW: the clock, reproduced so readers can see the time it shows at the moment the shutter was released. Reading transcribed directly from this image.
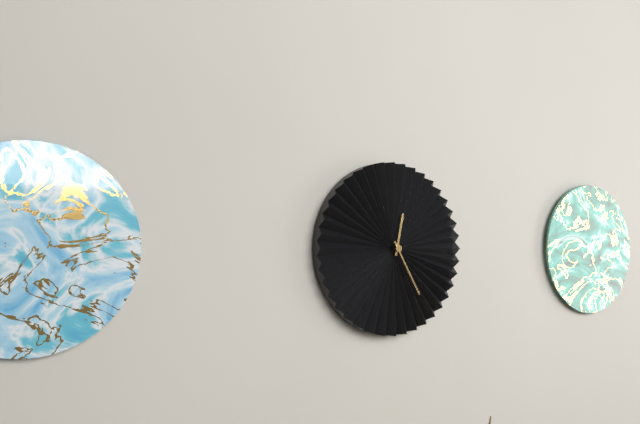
12:25
